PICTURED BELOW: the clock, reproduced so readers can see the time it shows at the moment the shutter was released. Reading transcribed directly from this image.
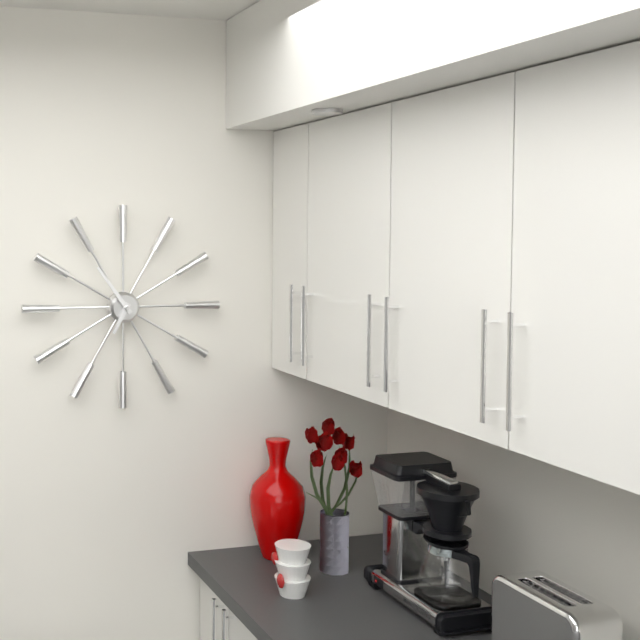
6:54
